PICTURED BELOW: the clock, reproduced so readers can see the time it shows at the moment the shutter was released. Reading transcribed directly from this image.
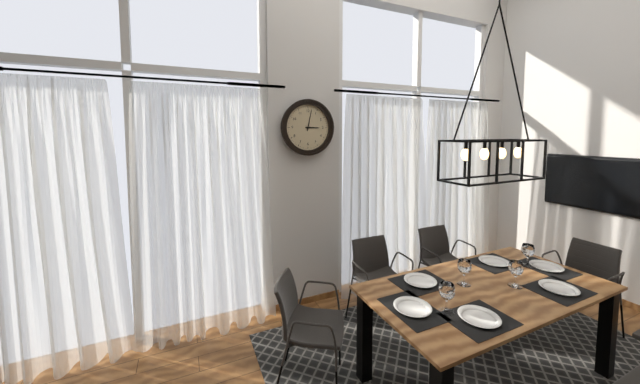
3:02
